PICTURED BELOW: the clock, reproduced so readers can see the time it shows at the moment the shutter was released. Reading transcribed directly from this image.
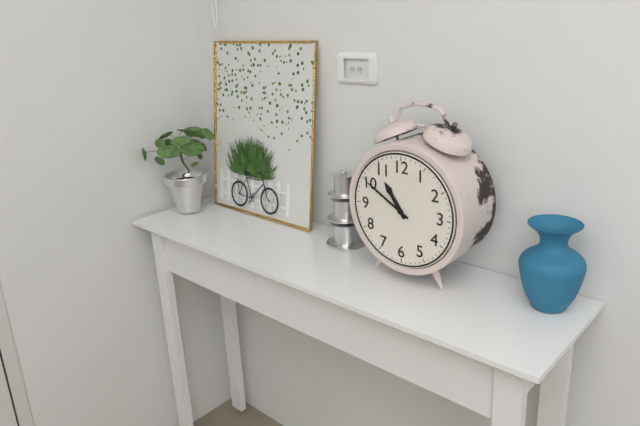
10:50
